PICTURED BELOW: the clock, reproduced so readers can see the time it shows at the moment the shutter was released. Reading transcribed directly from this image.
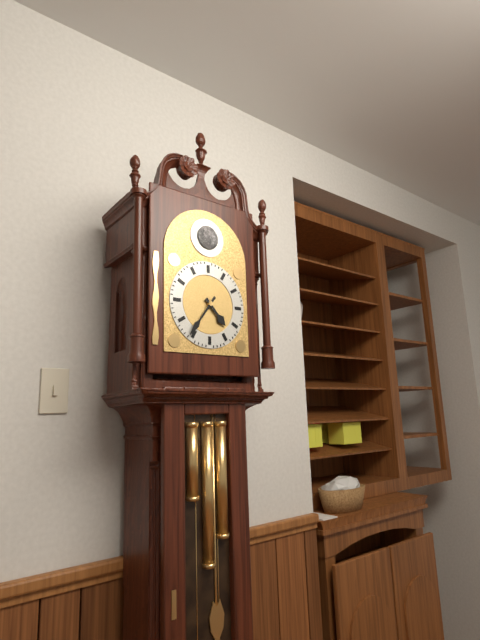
4:36
